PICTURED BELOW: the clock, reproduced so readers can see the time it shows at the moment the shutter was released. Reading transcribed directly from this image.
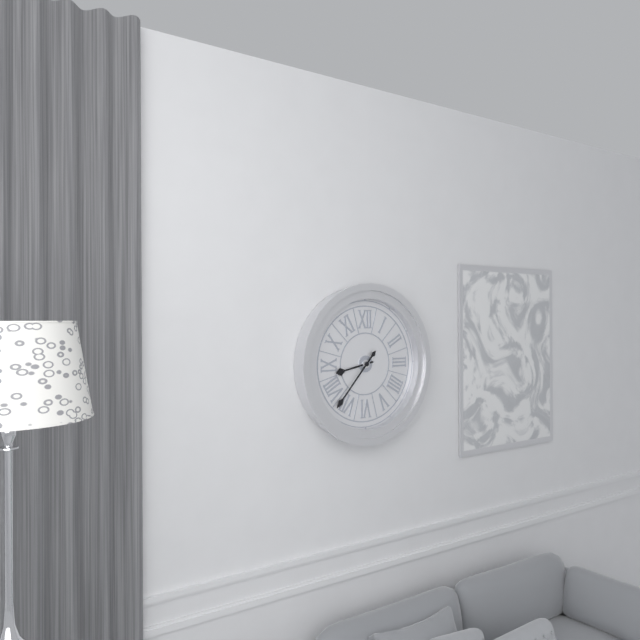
8:37
